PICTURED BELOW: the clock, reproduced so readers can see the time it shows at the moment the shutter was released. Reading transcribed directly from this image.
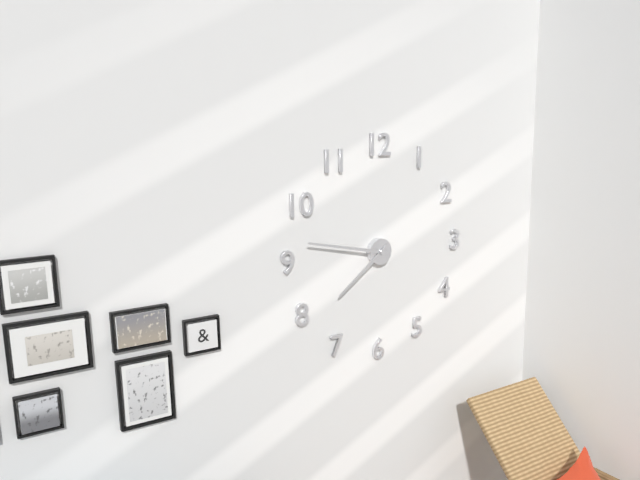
7:47
